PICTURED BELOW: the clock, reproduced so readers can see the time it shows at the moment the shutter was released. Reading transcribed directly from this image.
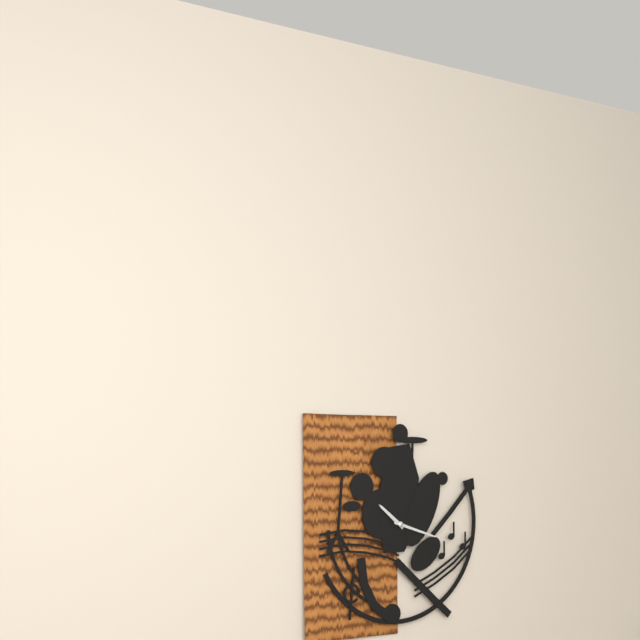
10:18
